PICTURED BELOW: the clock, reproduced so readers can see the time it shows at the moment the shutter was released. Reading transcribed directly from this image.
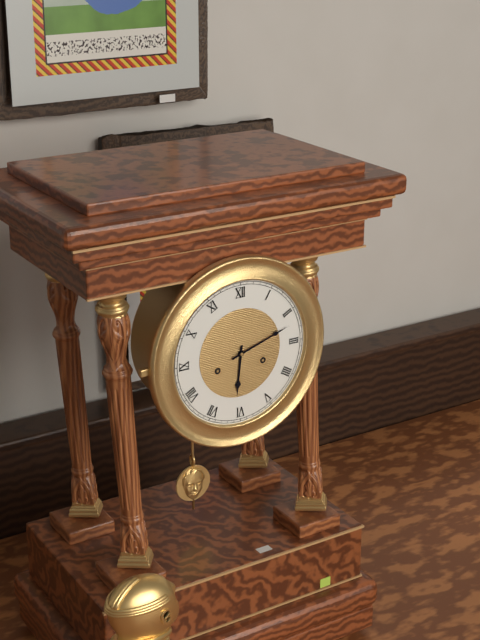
6:12
